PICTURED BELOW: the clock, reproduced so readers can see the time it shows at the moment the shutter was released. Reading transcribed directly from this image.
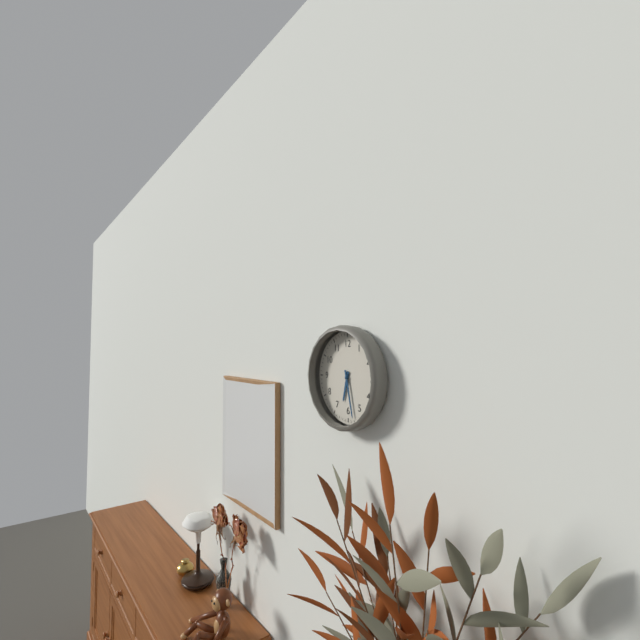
6:28
